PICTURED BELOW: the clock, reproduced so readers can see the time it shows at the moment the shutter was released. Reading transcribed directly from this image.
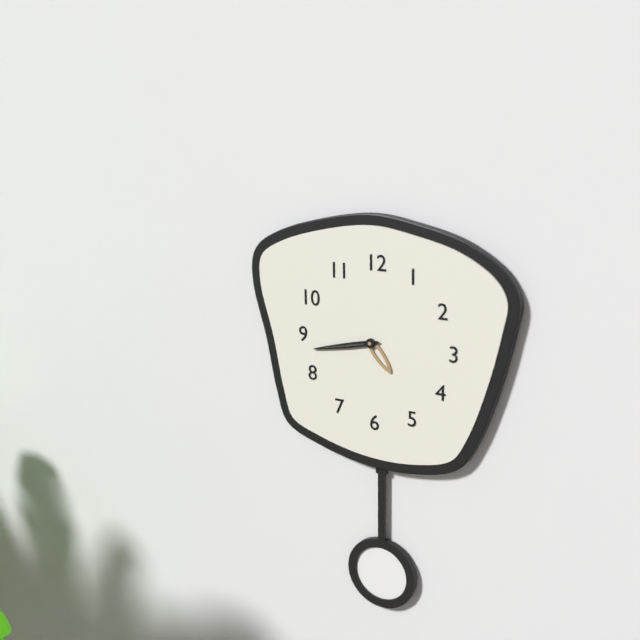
4:43
